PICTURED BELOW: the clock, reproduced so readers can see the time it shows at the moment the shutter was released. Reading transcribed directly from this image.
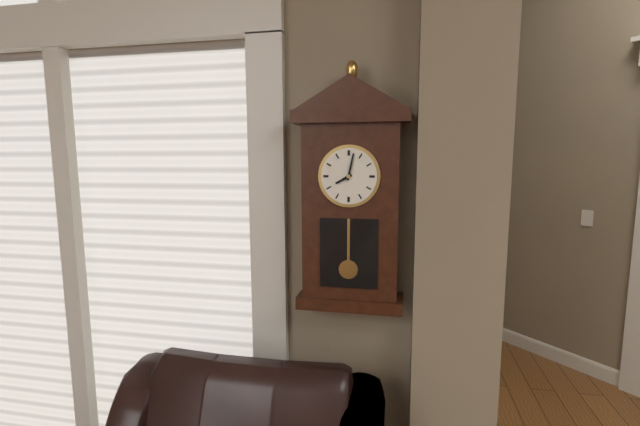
8:02
